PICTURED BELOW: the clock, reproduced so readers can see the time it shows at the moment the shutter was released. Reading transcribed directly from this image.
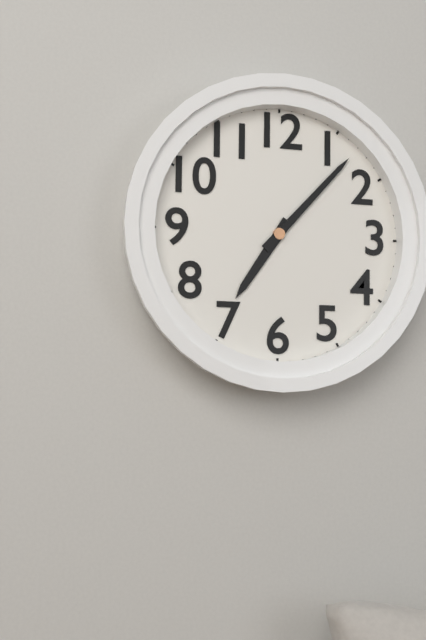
7:07
